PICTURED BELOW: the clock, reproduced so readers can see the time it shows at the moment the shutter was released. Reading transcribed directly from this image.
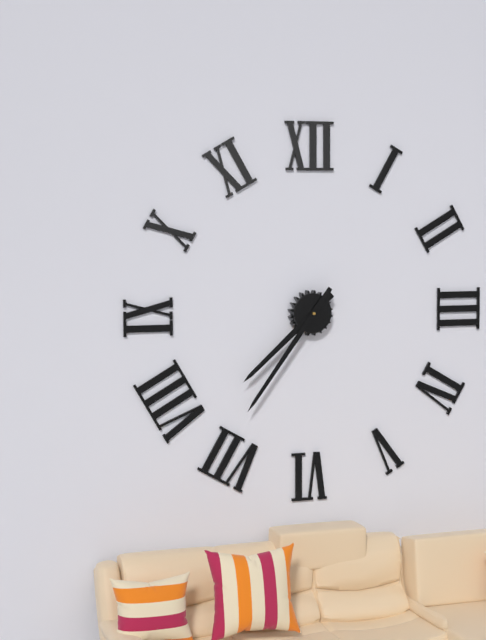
7:36
